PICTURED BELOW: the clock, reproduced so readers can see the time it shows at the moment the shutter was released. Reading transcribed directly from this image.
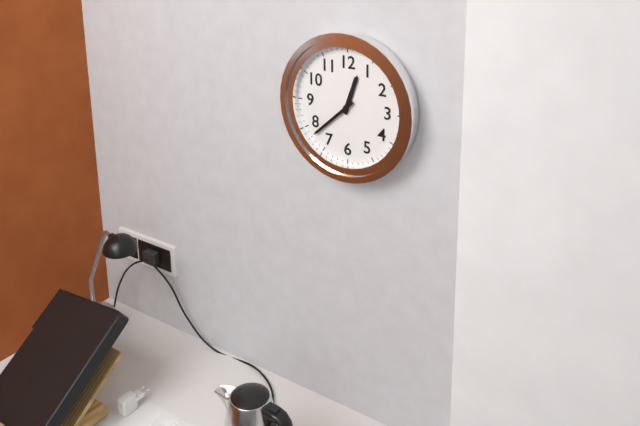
12:38
